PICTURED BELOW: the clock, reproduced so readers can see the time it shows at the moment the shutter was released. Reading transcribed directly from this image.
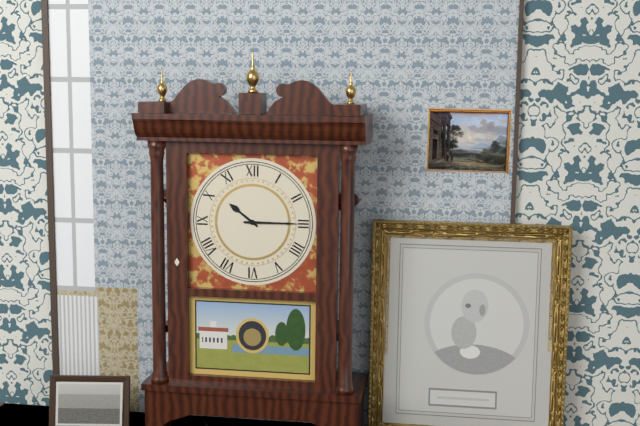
10:15
